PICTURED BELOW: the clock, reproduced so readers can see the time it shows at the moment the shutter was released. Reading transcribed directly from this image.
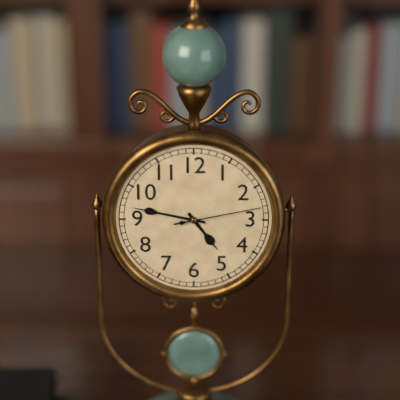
4:47:13
